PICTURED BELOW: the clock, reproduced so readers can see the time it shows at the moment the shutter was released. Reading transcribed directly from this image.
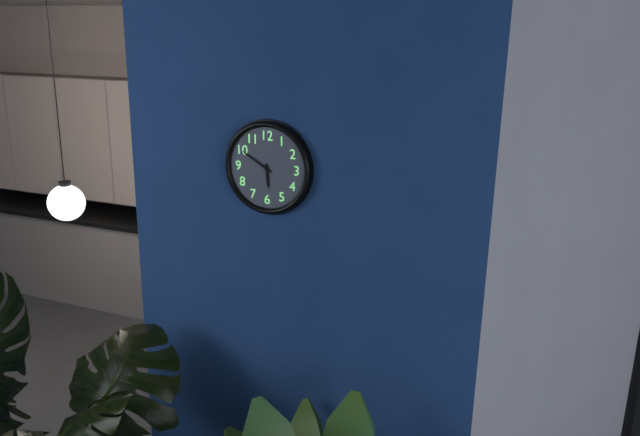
5:50
